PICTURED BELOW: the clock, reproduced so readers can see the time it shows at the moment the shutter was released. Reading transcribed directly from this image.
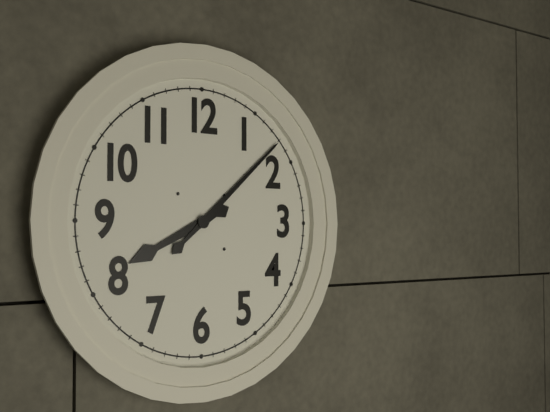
8:08
